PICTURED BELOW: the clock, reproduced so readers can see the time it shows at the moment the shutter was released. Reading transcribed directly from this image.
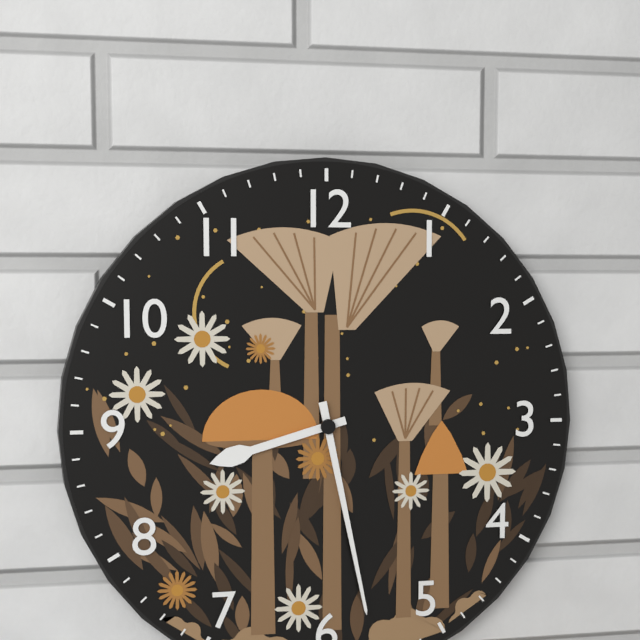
8:28
